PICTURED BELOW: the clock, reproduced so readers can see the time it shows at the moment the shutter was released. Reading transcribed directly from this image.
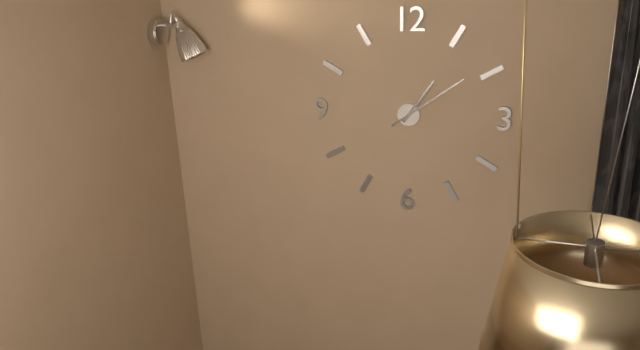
1:09
